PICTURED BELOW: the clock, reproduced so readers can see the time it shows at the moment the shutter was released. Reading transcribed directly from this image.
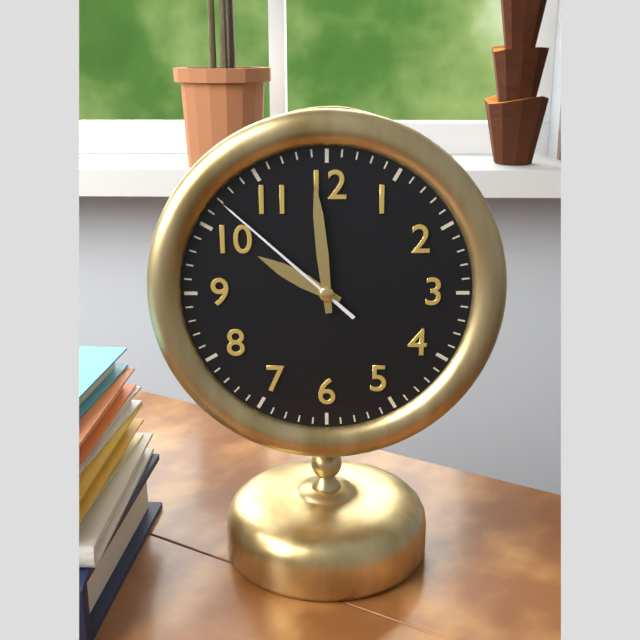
9:59:52
